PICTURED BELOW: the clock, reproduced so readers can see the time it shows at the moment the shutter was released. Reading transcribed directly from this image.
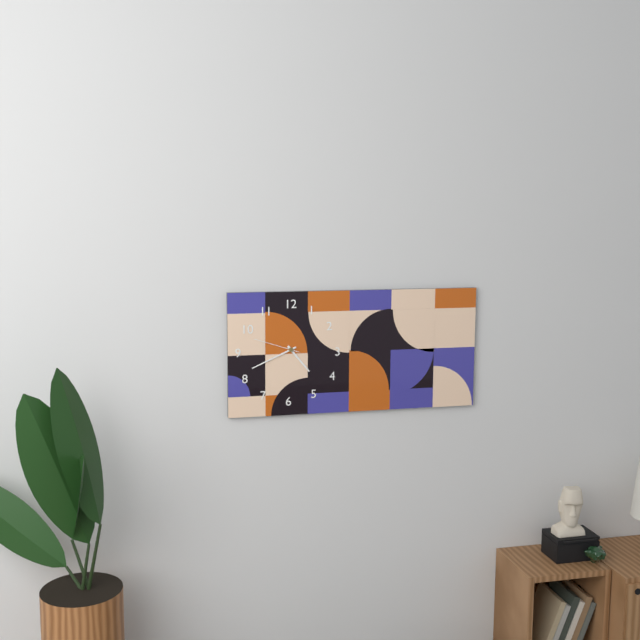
4:41
